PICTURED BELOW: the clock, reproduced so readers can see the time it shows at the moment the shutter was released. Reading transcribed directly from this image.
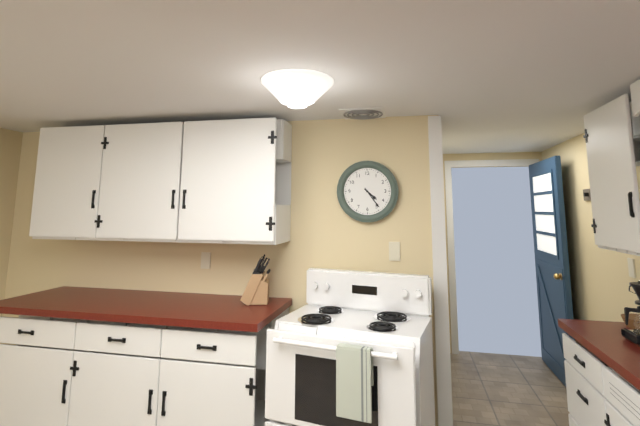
4:24
